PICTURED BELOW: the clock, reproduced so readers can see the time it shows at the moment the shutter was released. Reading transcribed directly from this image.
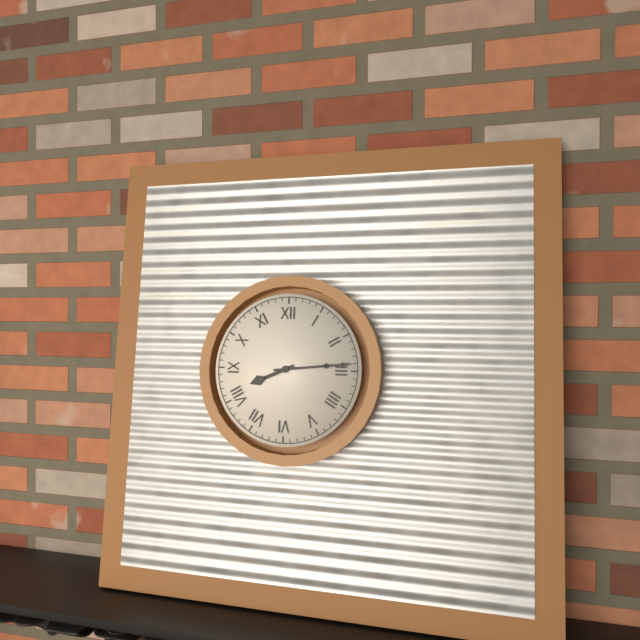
8:14
